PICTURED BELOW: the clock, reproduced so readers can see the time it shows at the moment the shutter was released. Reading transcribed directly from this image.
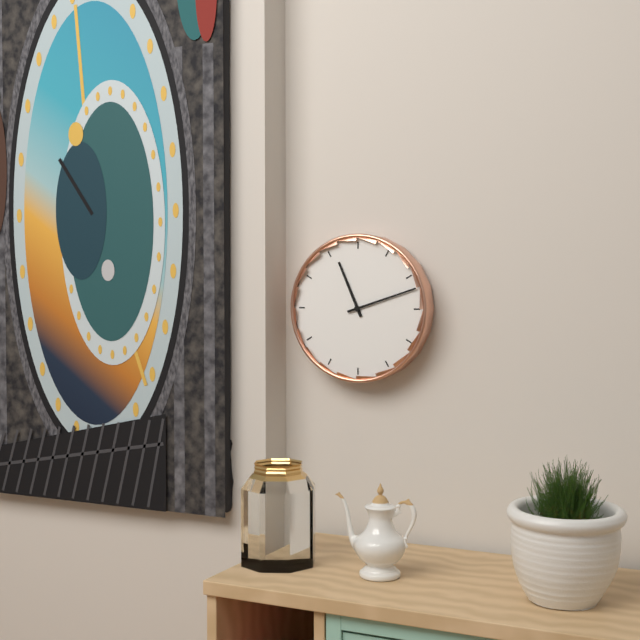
11:12
